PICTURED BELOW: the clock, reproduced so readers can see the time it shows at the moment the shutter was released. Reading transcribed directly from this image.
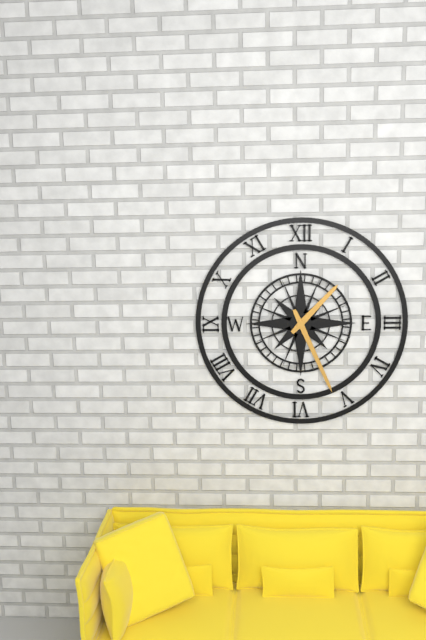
1:26
